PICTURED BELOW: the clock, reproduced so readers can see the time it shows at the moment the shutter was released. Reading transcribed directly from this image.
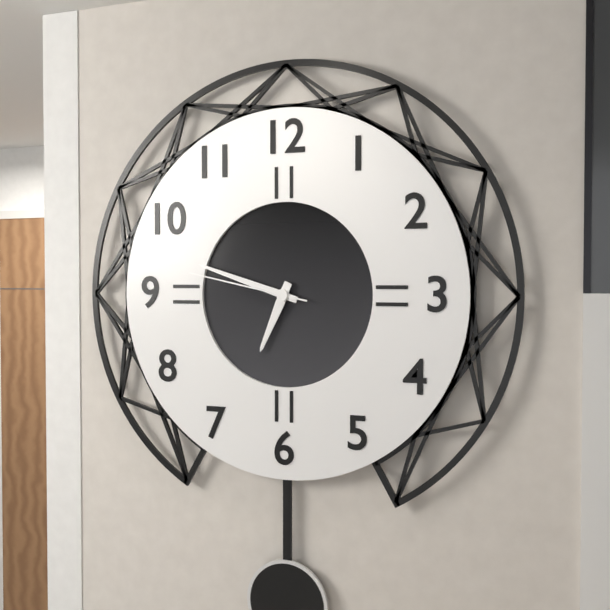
6:48:47
